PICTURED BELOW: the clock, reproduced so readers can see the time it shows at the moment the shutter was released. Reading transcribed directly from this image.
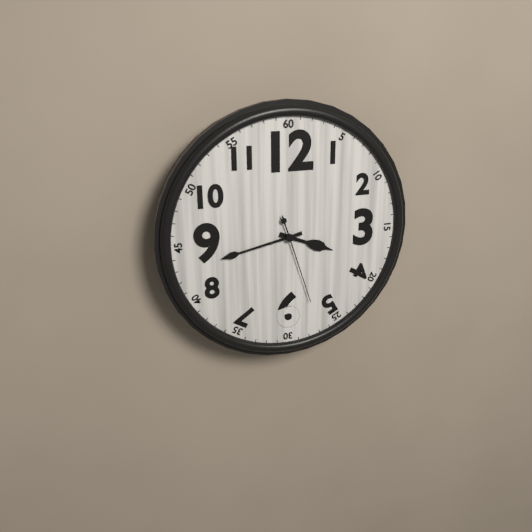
3:43:27
